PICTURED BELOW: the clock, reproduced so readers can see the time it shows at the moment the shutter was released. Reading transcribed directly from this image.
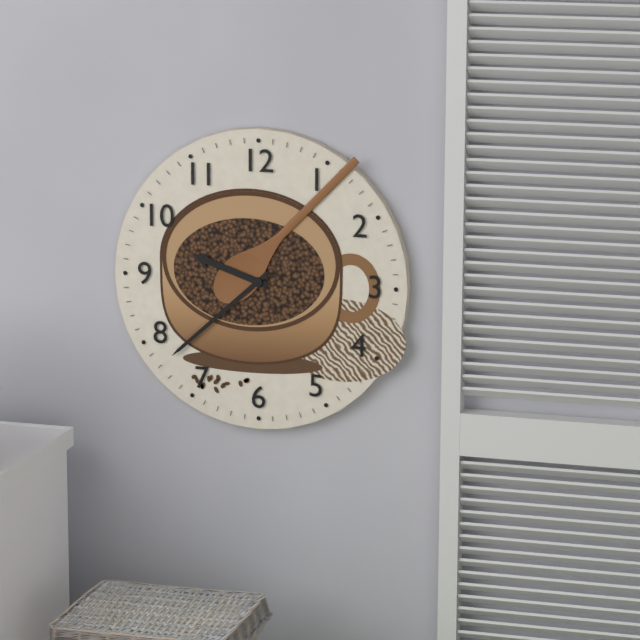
9:38
